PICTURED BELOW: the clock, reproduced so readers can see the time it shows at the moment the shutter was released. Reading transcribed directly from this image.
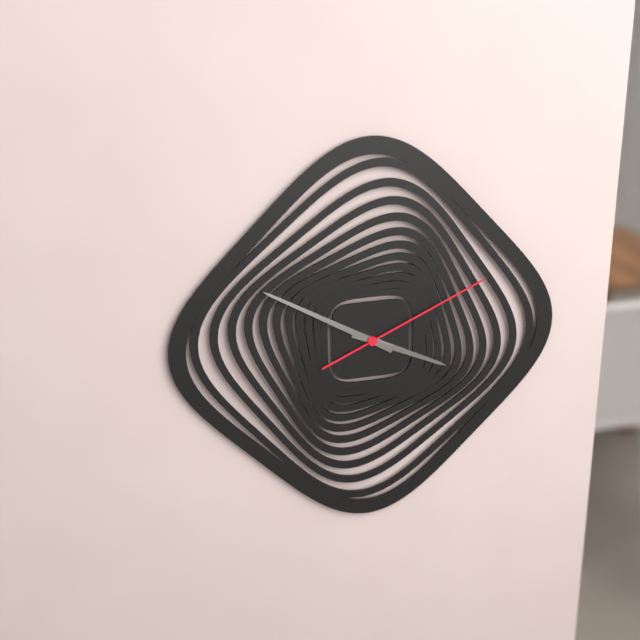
3:50:11
